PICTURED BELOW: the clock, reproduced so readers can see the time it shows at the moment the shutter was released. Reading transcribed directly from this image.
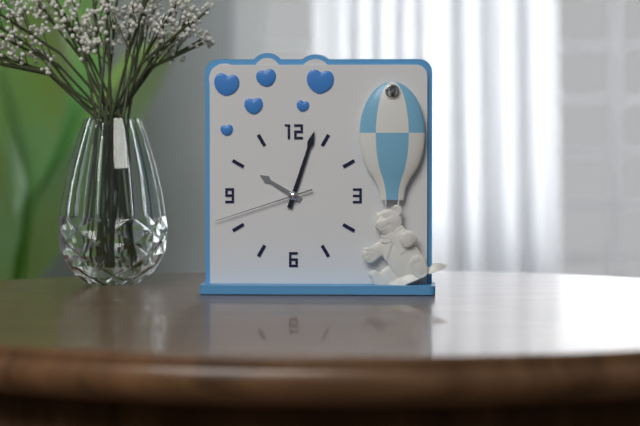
10:03:42
